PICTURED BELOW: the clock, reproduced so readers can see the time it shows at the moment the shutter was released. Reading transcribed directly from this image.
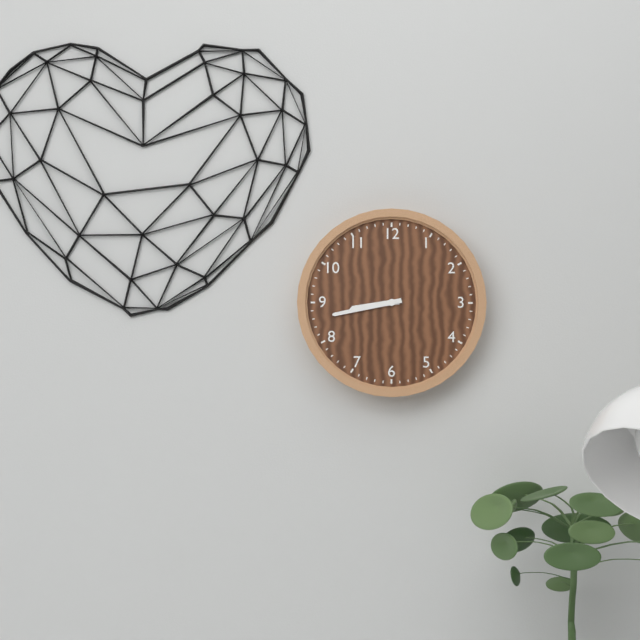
8:43
